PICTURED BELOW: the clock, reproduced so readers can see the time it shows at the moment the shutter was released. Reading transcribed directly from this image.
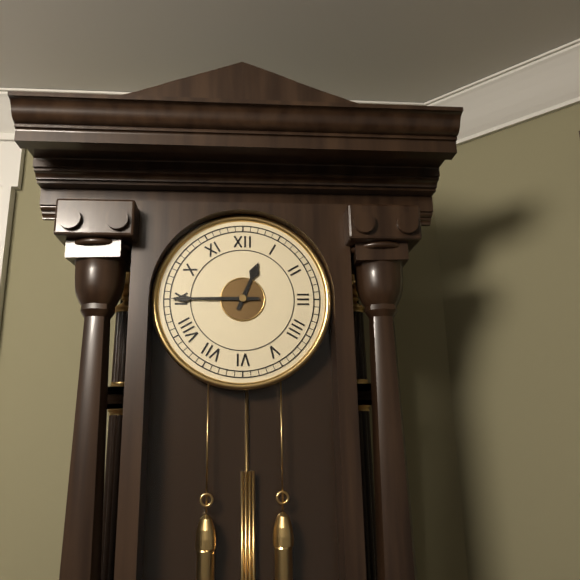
12:45
